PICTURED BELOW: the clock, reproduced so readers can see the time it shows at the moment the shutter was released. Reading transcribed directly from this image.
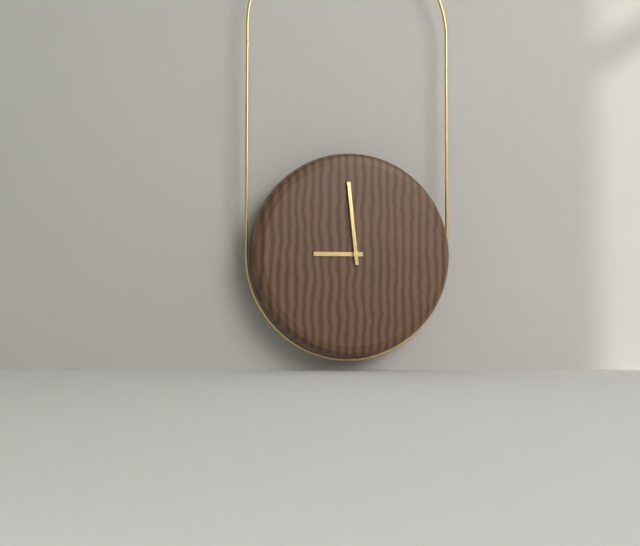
8:59
